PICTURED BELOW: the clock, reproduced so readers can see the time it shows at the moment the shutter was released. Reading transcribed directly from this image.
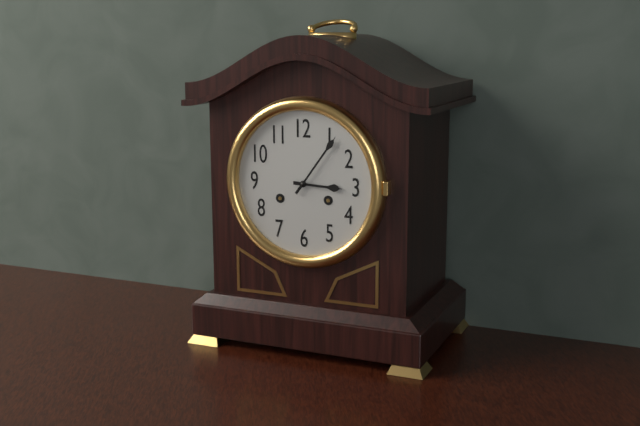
3:06
